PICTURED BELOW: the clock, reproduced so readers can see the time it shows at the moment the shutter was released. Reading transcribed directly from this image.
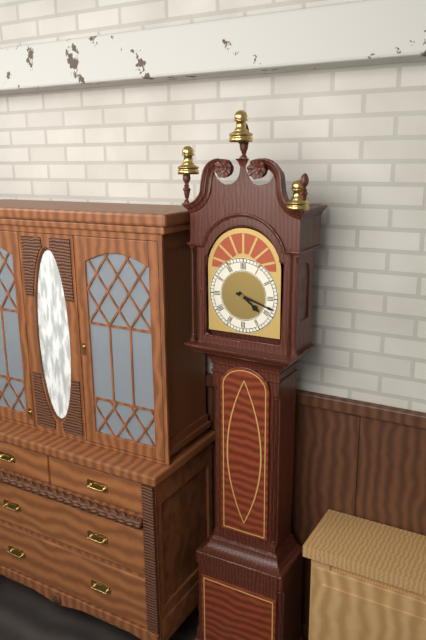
4:18
